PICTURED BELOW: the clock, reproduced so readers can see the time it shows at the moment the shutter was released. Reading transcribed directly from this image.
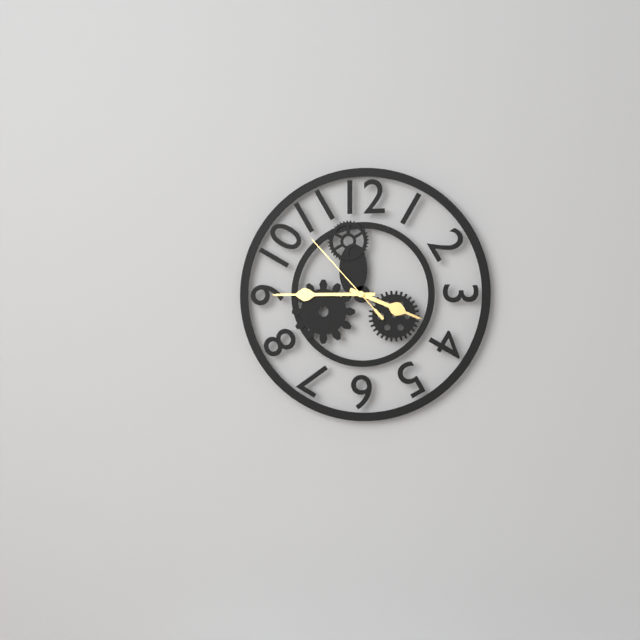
3:45:53
